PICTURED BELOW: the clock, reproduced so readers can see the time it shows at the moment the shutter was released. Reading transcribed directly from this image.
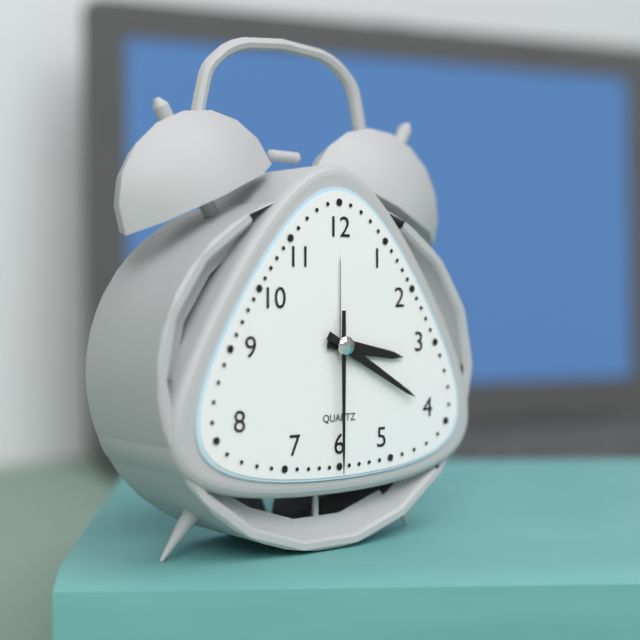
3:20:30
